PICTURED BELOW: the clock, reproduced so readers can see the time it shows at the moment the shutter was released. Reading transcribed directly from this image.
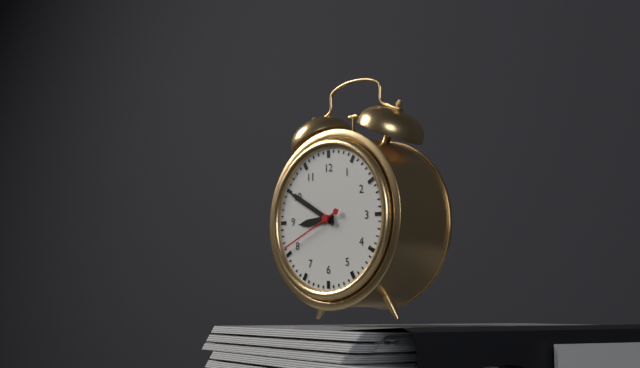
8:50:41
